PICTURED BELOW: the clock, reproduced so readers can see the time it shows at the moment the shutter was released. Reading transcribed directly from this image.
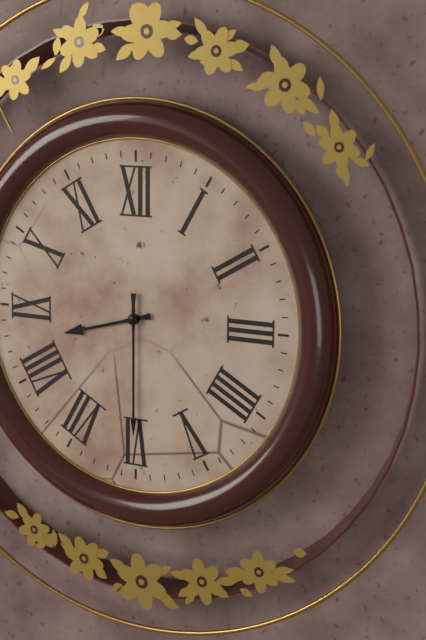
8:30
